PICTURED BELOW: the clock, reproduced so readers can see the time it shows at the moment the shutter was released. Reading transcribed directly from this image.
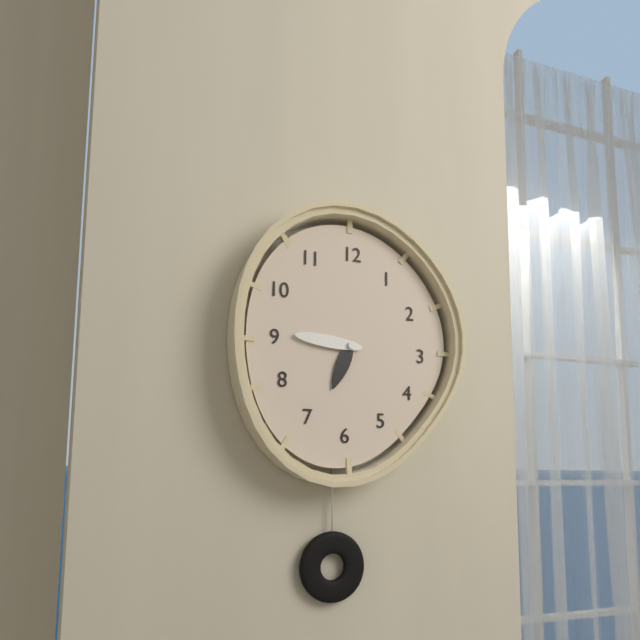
6:46
